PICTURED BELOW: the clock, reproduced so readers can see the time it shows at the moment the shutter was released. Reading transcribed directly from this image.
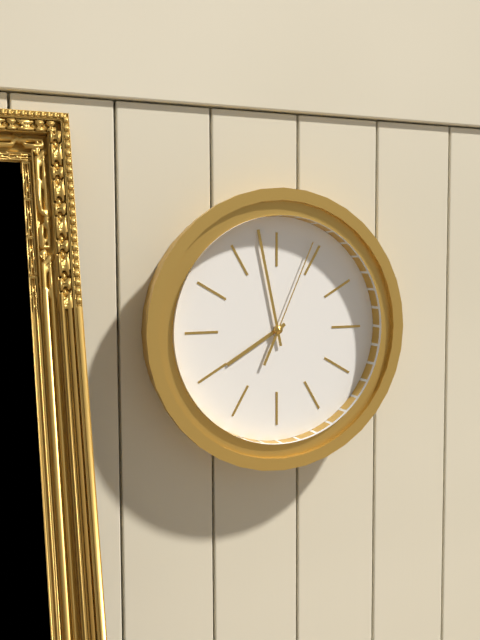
7:58:04
